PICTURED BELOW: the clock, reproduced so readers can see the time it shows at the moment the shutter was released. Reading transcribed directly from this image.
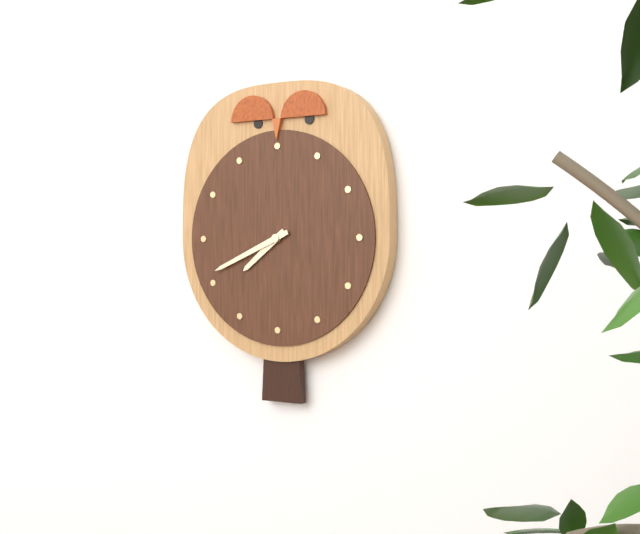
7:41
